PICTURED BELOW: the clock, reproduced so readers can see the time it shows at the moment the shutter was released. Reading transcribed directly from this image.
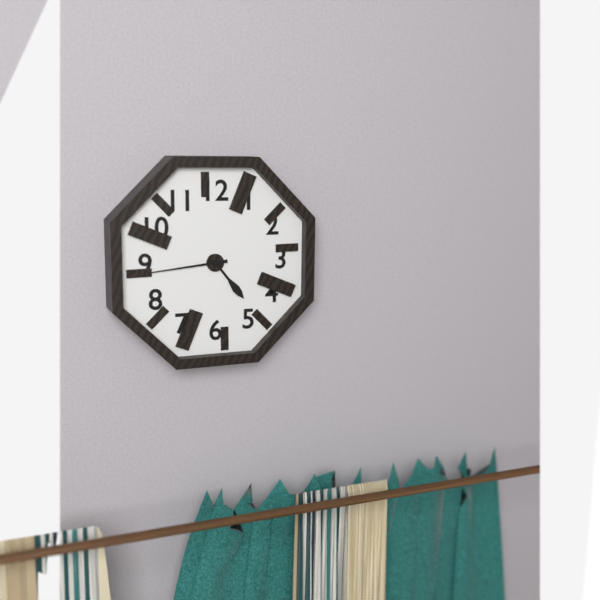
4:44
